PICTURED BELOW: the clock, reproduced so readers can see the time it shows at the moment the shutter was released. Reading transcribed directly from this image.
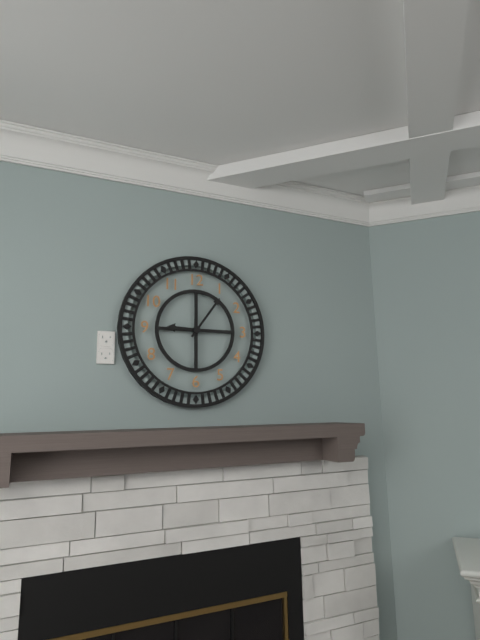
9:06
